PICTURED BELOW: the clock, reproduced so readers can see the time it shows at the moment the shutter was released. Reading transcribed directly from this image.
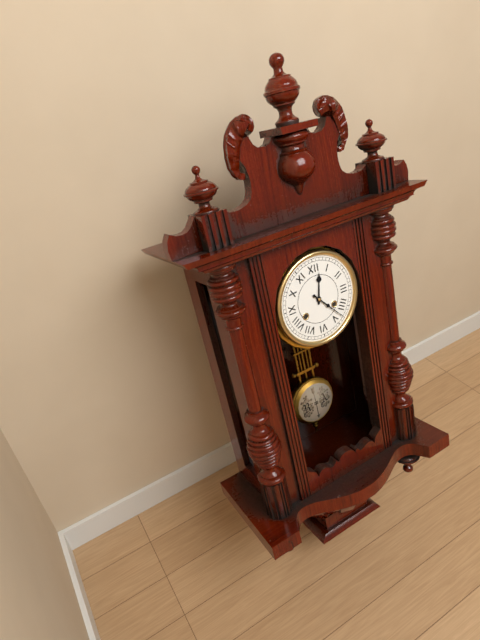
12:23
